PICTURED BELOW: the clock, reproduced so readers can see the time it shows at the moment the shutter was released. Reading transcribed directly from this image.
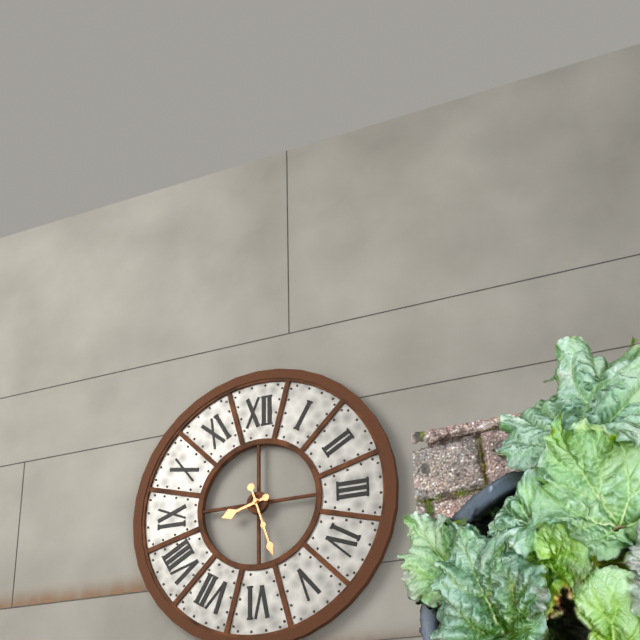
8:27
